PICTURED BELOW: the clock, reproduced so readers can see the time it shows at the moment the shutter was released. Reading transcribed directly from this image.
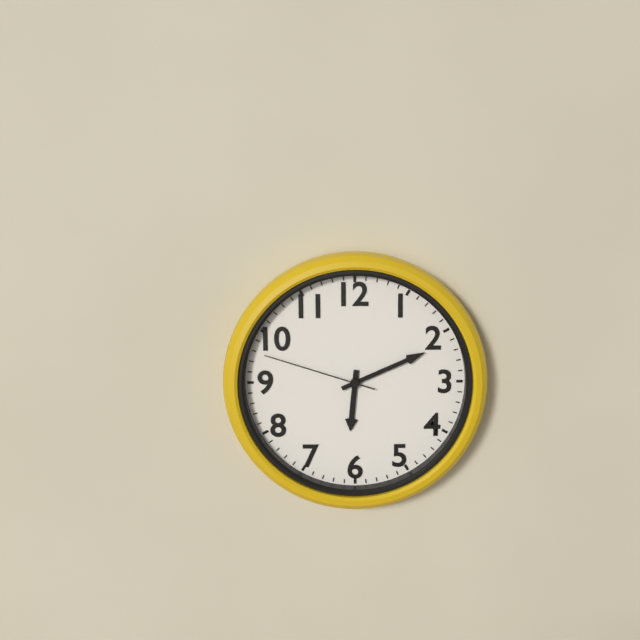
6:11:48
